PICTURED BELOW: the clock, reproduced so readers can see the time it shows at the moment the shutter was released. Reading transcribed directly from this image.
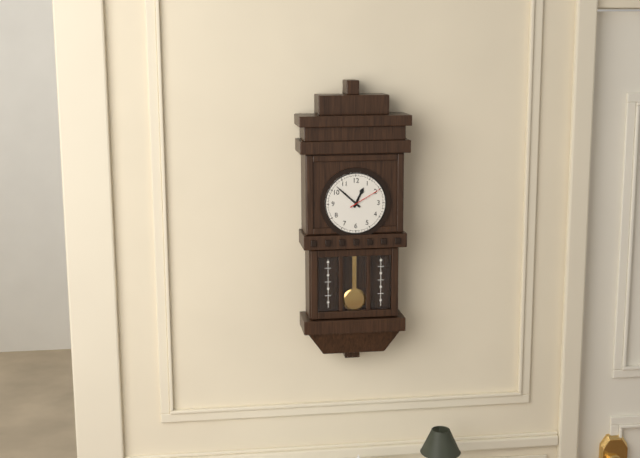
12:52
